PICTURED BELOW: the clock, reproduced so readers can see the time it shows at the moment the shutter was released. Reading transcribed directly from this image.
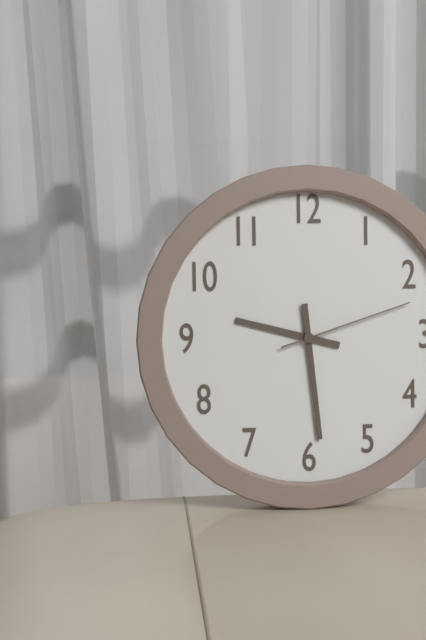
9:29:12
